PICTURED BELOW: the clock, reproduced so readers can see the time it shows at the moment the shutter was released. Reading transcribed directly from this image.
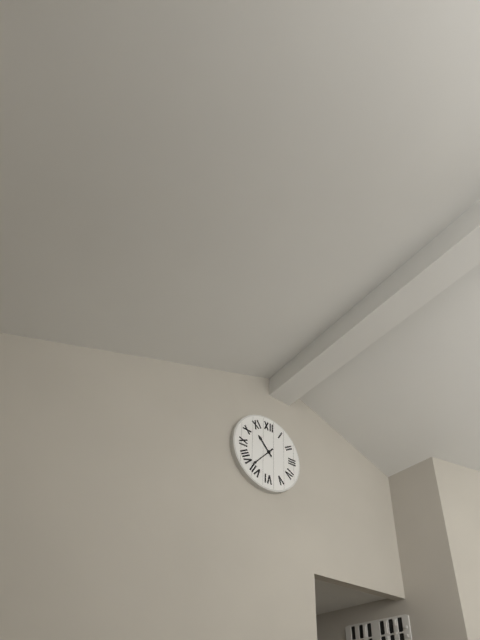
10:37
